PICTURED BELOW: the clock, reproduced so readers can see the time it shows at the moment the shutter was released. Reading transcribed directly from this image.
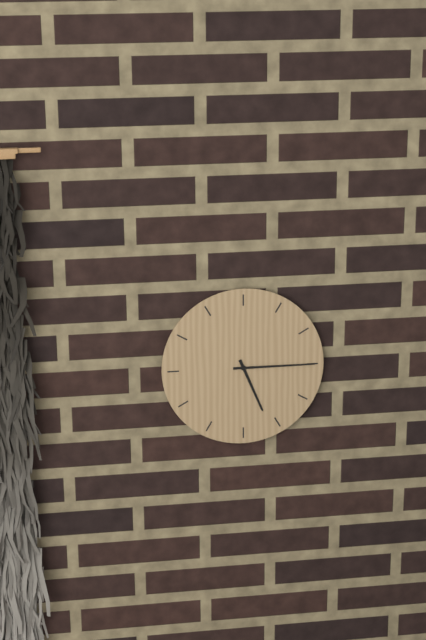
5:15
